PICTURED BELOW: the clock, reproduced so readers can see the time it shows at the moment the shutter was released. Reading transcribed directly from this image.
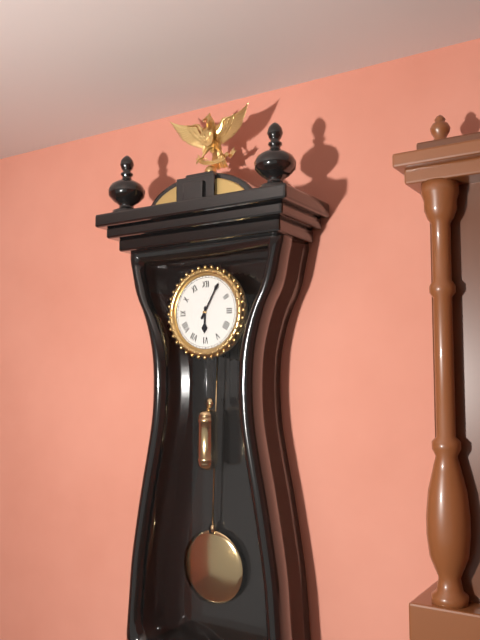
6:05
